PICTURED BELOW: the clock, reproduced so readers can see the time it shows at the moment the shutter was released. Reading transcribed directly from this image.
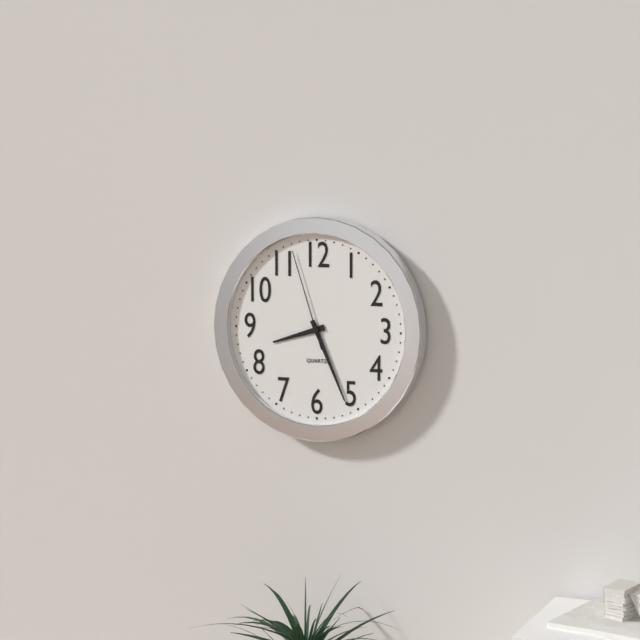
8:26:57
